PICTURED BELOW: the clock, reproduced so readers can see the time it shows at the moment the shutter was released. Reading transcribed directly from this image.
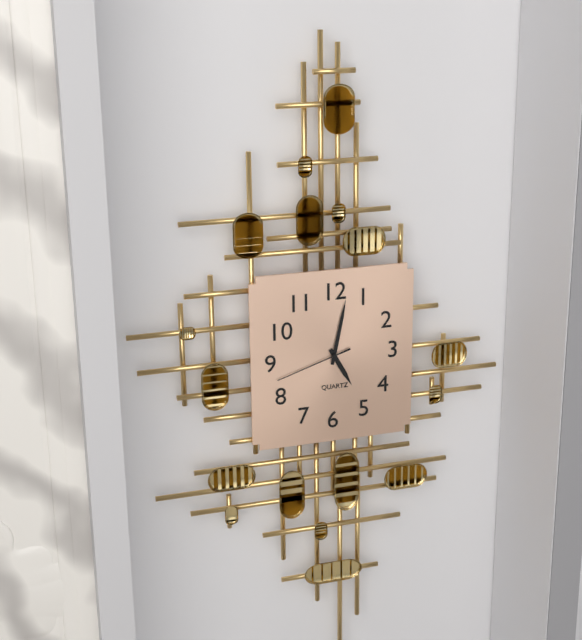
5:02:42
